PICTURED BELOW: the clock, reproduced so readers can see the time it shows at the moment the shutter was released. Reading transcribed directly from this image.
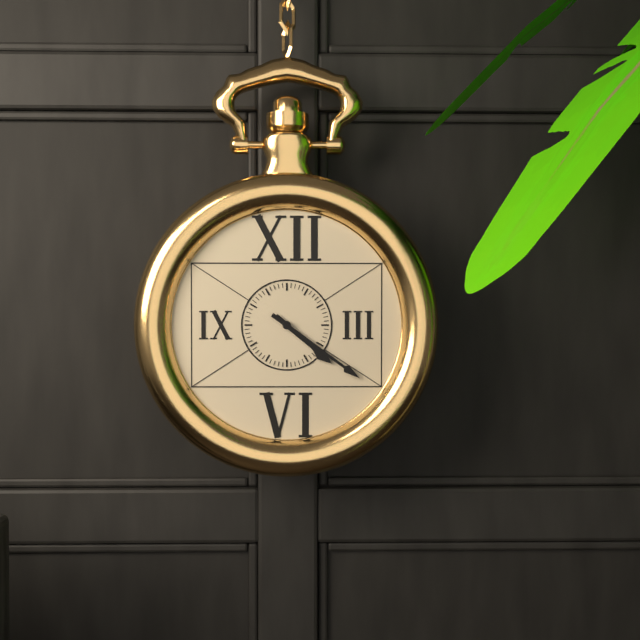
4:21
